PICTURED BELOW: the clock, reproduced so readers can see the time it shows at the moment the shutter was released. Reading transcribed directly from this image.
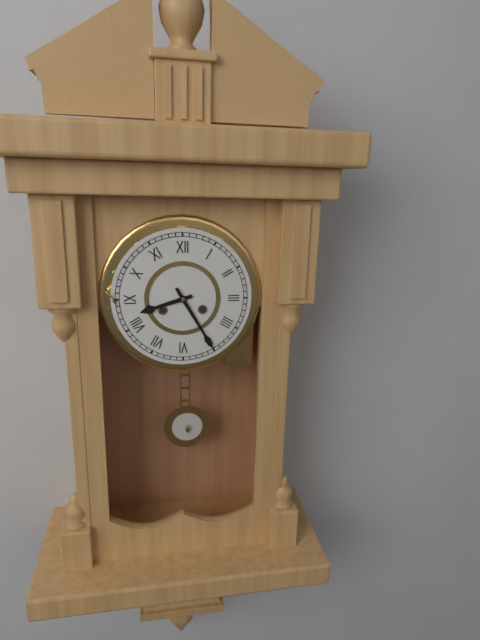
8:25
